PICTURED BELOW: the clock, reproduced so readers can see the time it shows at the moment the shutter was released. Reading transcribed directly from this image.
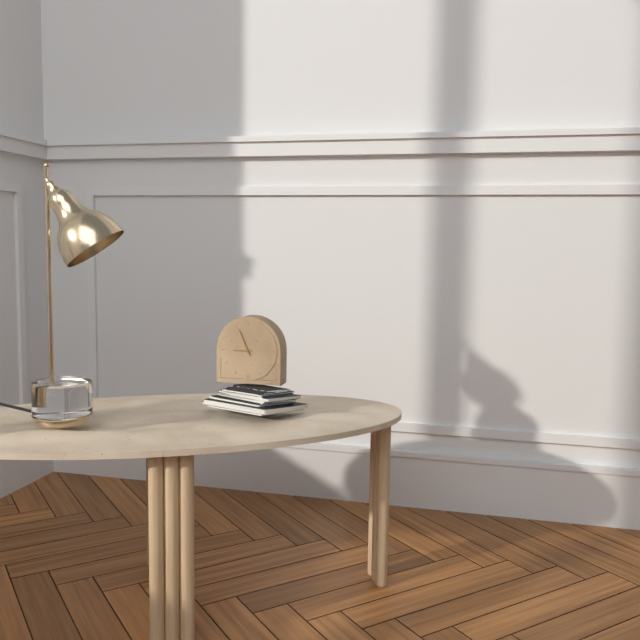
8:56
